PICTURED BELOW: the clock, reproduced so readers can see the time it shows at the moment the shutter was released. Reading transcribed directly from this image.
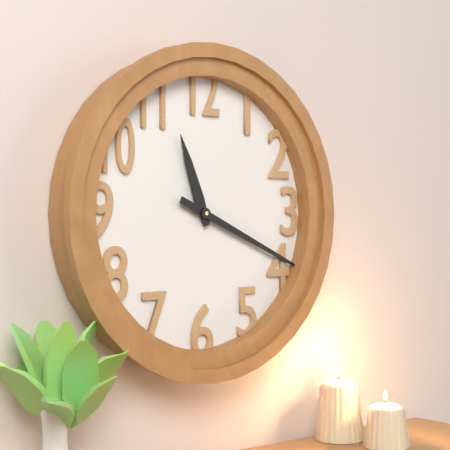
11:19
